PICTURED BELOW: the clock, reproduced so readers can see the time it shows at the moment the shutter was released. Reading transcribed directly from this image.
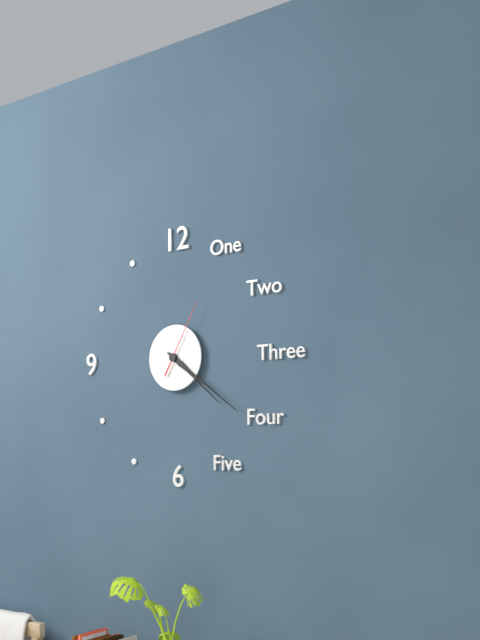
4:21:05
